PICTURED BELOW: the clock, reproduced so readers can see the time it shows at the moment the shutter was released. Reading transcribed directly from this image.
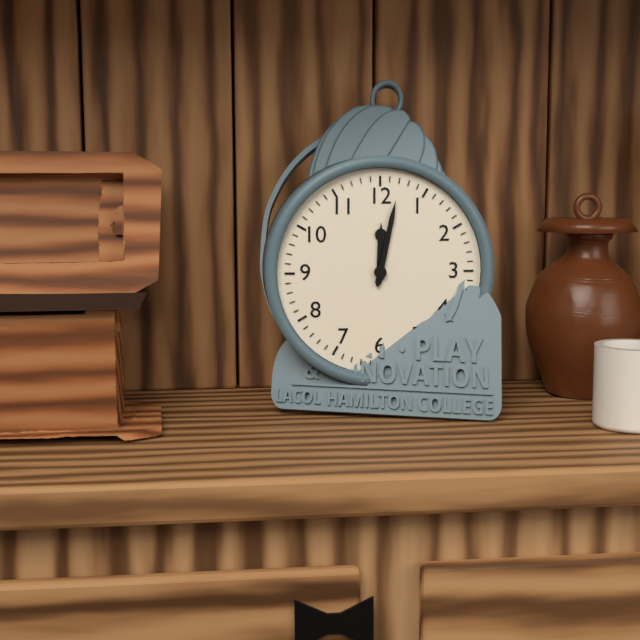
12:02
